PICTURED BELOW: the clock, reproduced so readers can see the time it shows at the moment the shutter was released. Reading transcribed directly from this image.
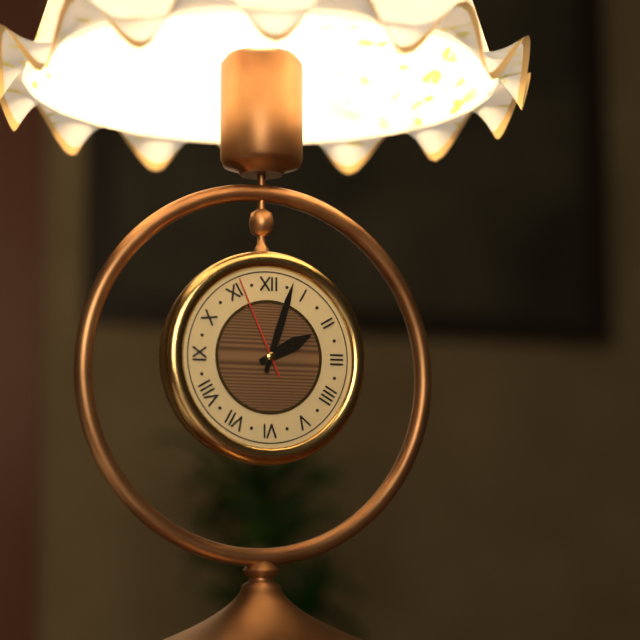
2:03:56
